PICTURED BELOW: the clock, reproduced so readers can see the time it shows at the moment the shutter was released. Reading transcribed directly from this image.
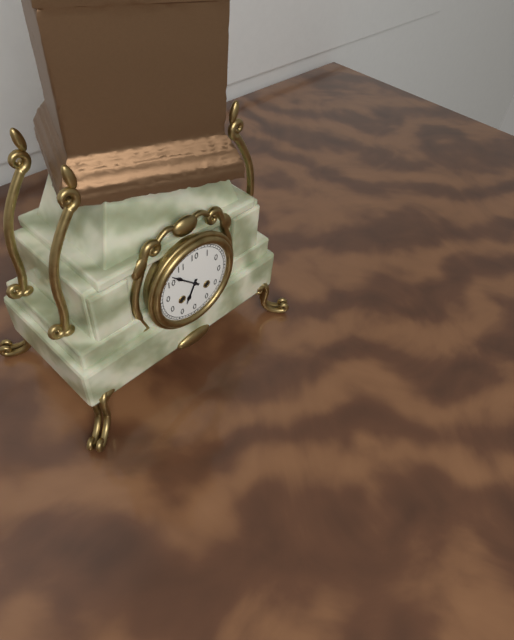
6:52
